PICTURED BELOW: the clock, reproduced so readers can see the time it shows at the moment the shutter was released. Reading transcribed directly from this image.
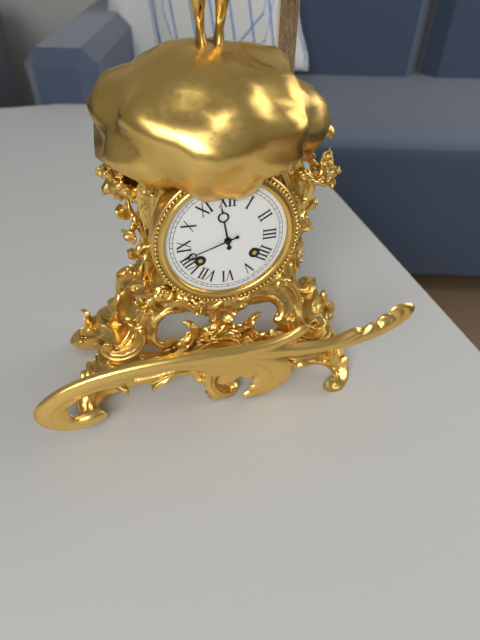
11:42
